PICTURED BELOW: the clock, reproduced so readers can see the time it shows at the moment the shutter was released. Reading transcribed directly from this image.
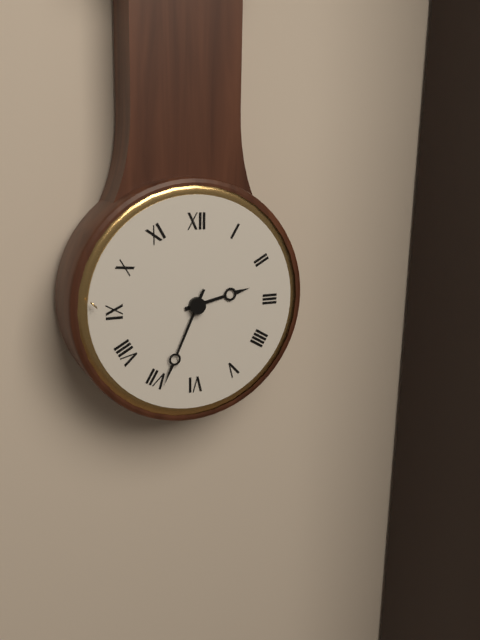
2:34
